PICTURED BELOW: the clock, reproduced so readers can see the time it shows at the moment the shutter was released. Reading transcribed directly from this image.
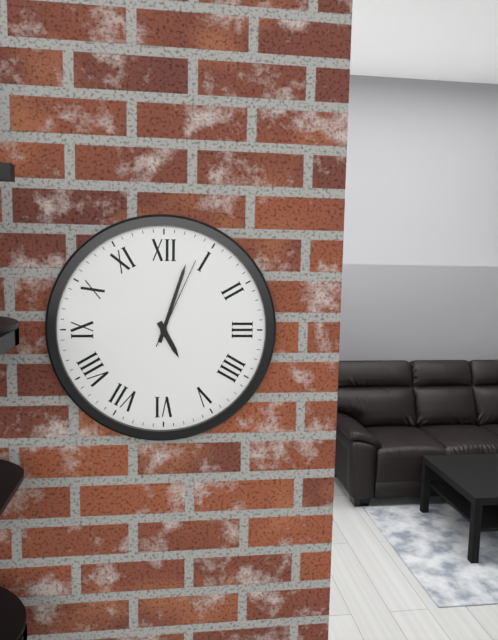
5:03:04
